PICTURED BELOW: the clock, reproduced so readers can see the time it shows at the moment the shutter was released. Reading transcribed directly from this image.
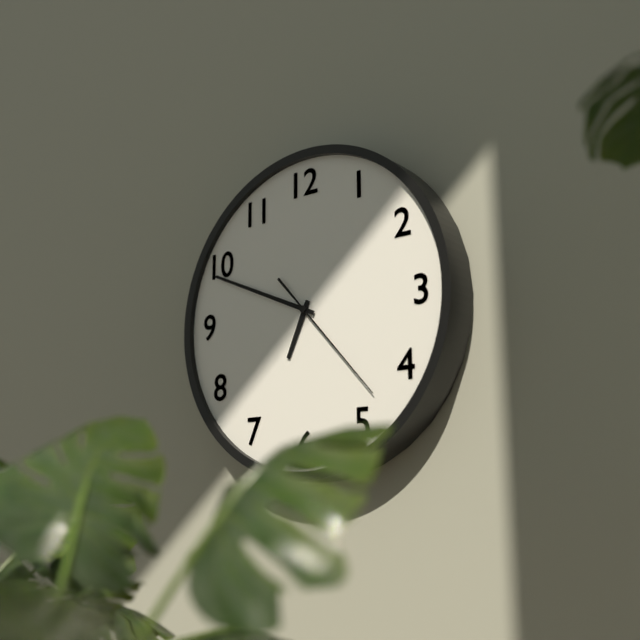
6:49:23
